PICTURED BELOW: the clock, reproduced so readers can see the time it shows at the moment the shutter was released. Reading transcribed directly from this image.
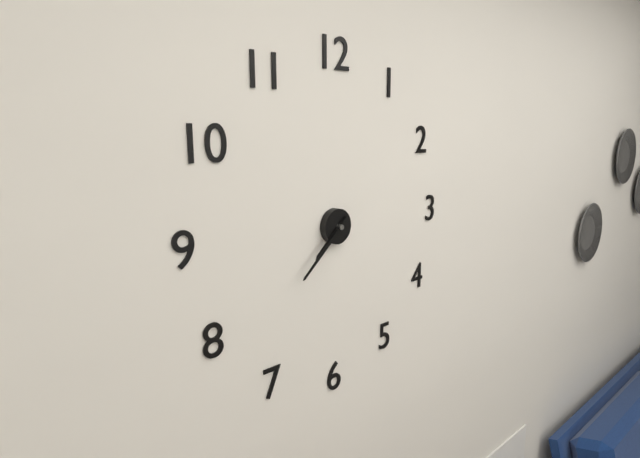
7:38
